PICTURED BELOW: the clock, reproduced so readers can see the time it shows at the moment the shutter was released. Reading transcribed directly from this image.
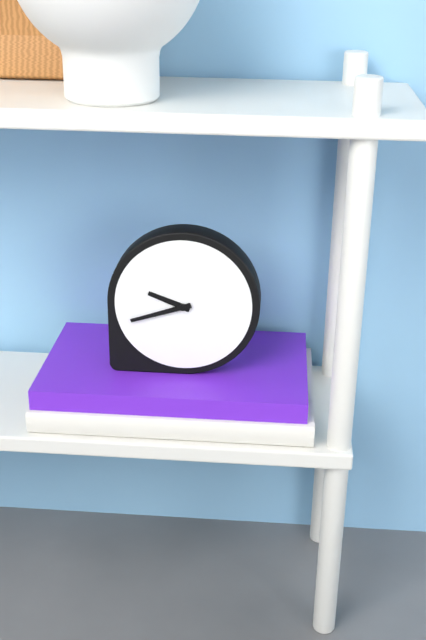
9:42
